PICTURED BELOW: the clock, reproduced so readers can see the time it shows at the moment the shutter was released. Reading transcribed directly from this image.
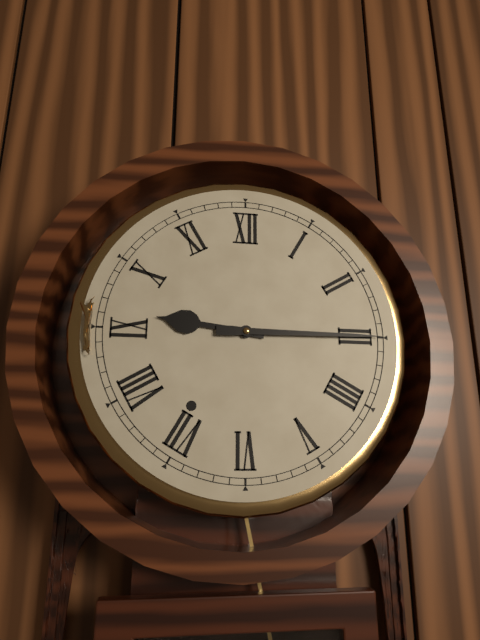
9:15
